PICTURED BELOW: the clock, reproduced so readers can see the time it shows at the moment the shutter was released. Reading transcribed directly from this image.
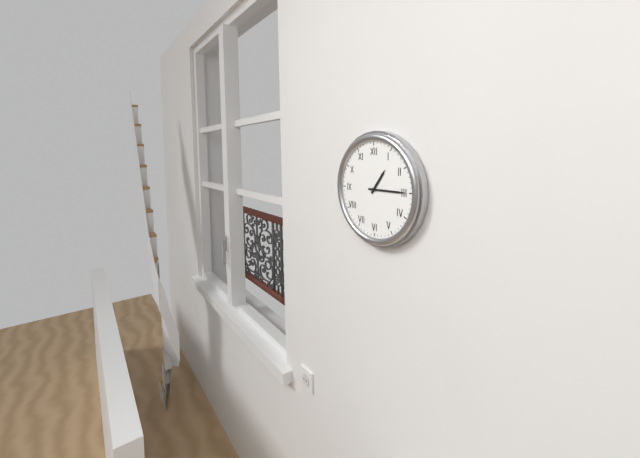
1:15
